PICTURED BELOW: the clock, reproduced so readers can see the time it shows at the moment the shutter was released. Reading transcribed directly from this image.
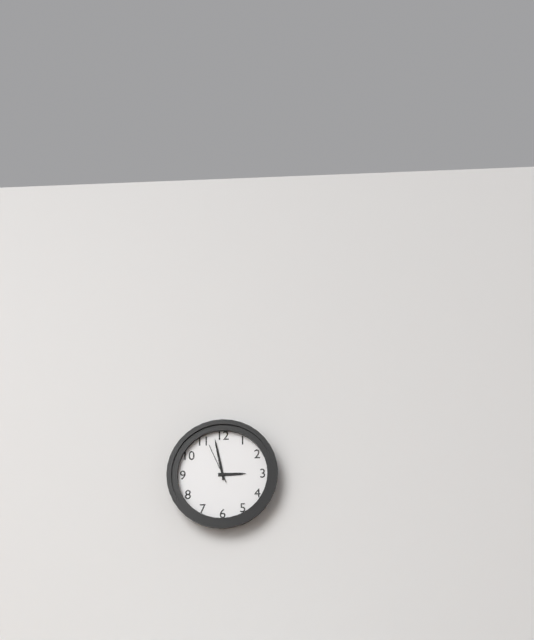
2:58
